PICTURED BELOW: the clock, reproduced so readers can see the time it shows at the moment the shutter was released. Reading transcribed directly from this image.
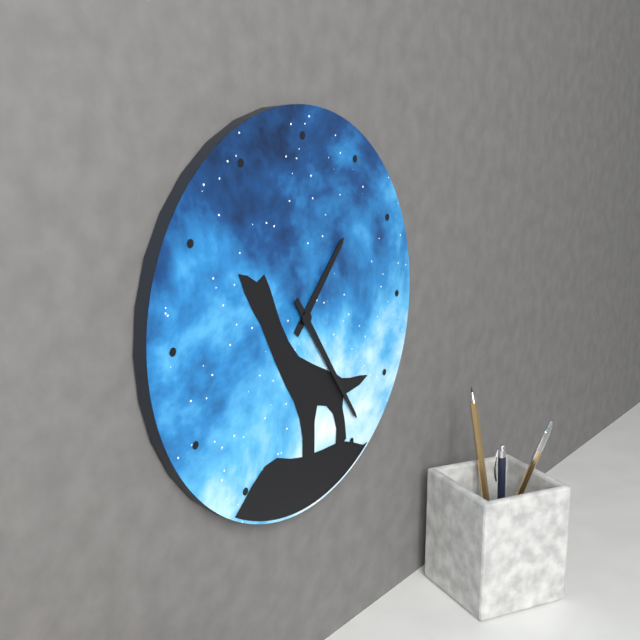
1:24
